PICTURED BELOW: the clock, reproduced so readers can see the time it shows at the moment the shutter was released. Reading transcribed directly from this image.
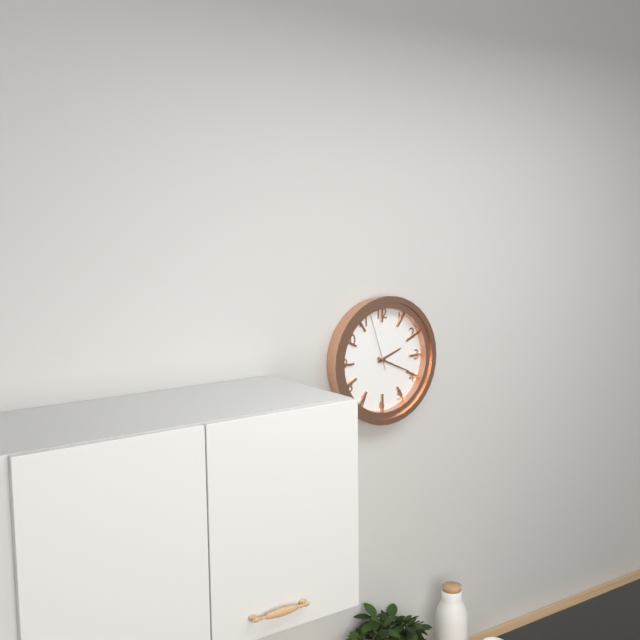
2:19:57
